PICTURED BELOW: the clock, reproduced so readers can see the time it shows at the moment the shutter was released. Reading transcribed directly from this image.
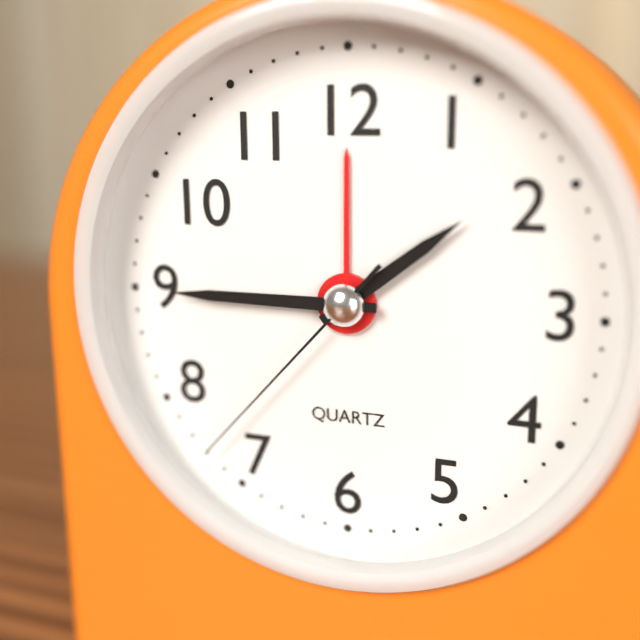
1:45:37
